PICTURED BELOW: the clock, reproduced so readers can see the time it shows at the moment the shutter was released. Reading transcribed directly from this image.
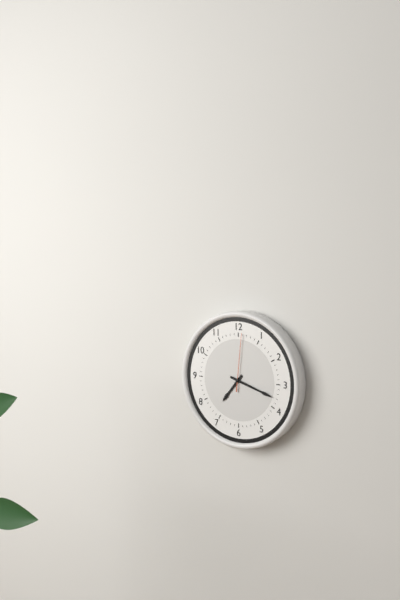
7:18:01
